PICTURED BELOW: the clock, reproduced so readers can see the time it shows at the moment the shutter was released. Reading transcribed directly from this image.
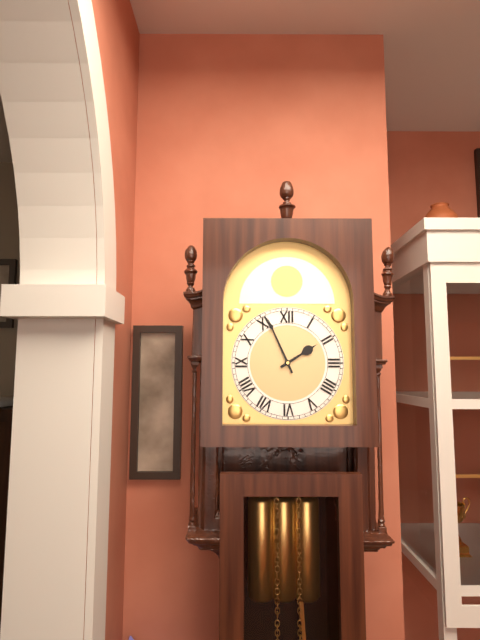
1:56
